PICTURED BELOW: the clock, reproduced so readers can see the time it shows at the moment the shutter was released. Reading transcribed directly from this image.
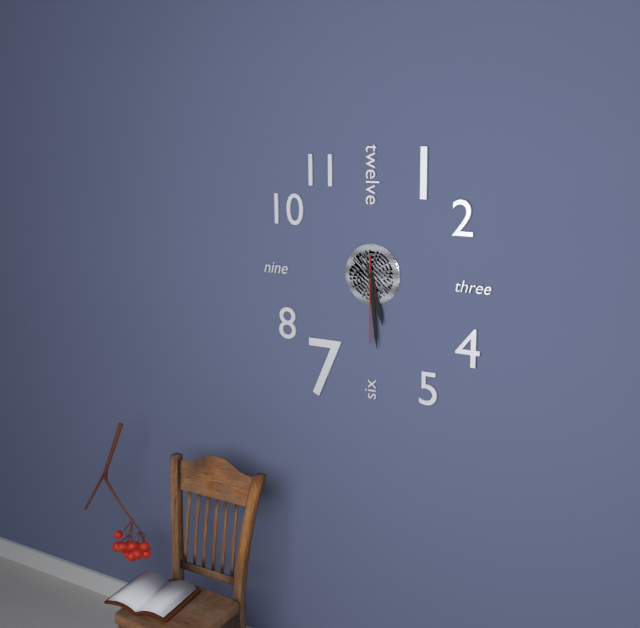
5:29:30
